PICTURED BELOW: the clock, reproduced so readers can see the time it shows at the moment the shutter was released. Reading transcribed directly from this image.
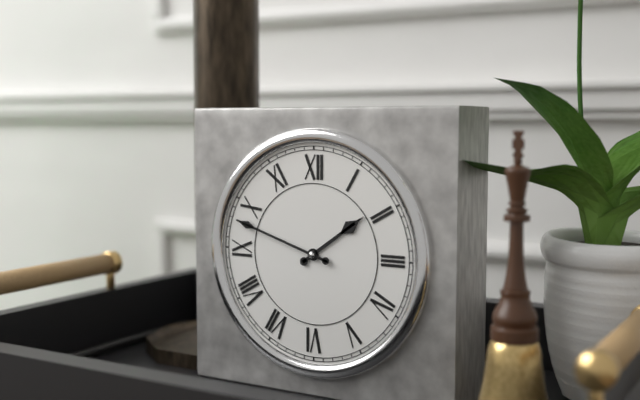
1:48
